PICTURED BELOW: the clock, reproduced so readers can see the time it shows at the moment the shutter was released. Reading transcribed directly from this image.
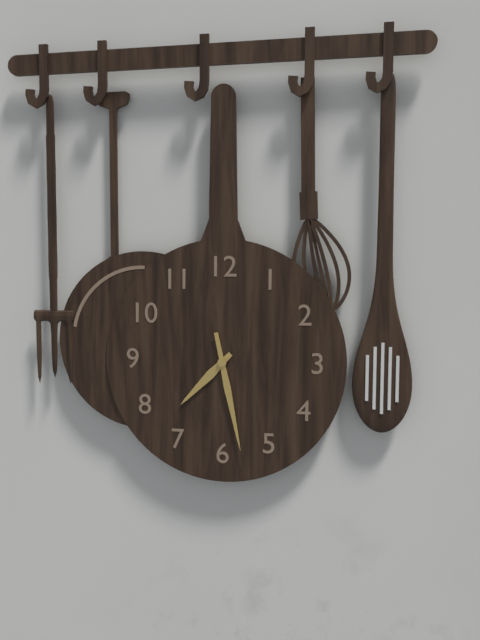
7:28
